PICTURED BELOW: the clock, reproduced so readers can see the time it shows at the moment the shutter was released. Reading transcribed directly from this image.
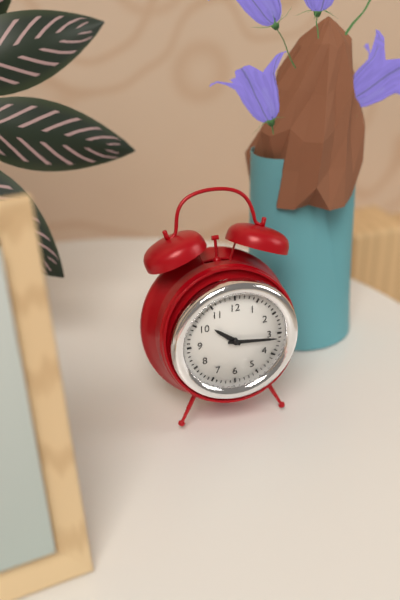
10:16
